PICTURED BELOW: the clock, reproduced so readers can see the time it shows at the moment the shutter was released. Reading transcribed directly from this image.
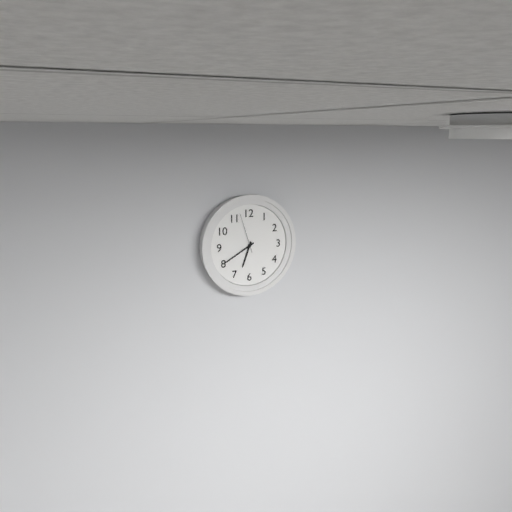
6:40
